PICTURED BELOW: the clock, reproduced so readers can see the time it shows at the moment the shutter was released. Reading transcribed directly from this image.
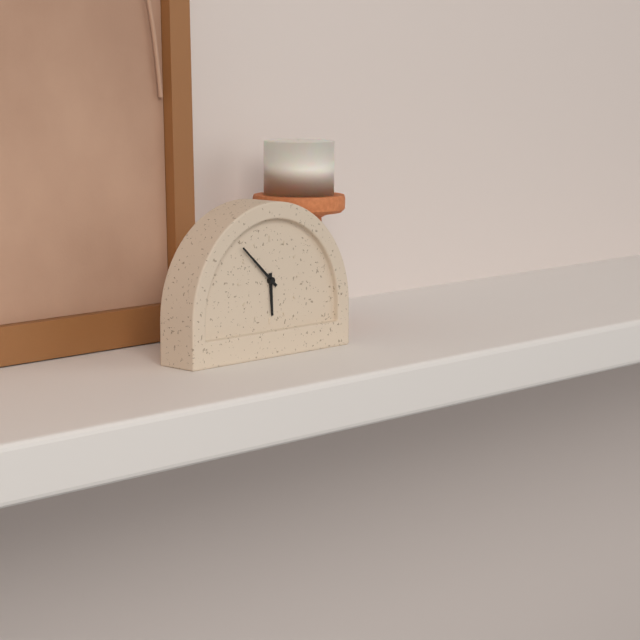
5:52
